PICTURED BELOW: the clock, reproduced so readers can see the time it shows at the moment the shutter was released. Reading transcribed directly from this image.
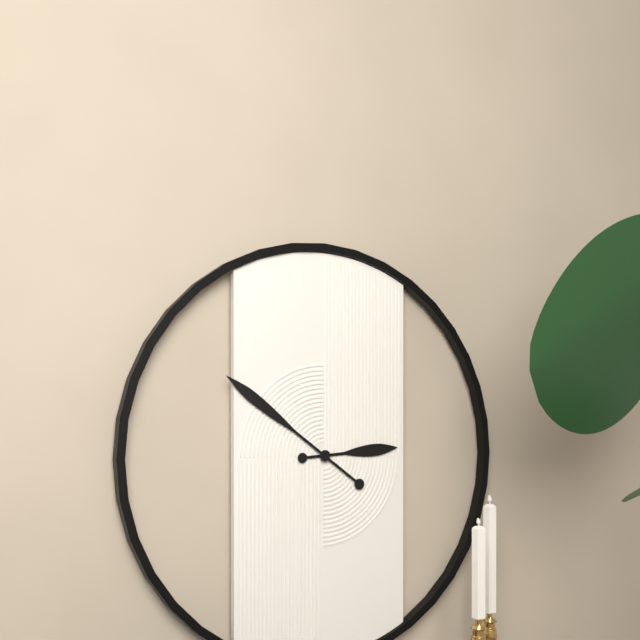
2:51
